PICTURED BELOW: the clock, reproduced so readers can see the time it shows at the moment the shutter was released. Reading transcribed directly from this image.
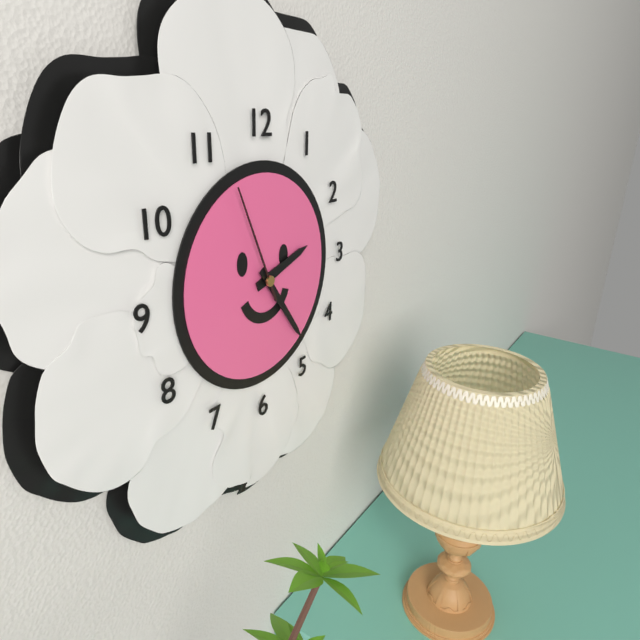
2:24:56
